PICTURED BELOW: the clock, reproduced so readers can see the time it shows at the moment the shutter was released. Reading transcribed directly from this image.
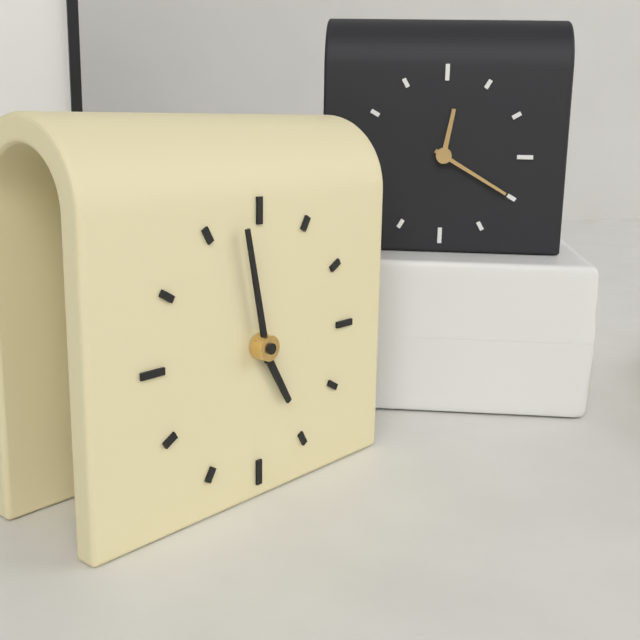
4:58
